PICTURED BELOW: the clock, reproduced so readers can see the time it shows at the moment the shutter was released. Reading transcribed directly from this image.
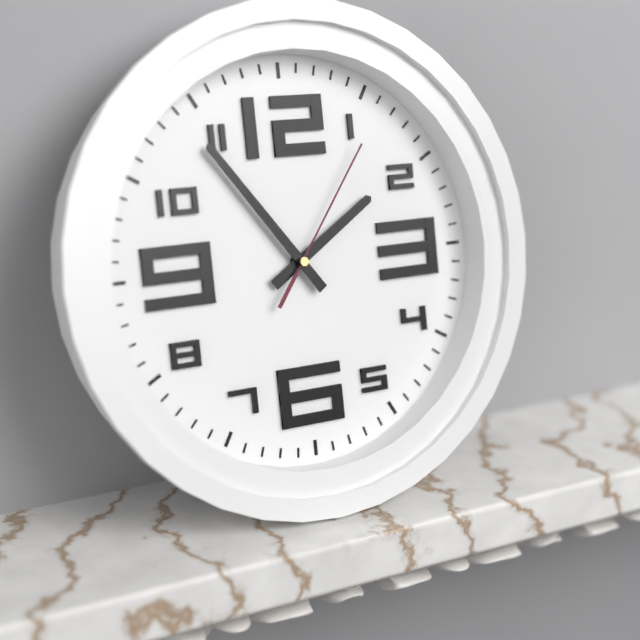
1:54:06
